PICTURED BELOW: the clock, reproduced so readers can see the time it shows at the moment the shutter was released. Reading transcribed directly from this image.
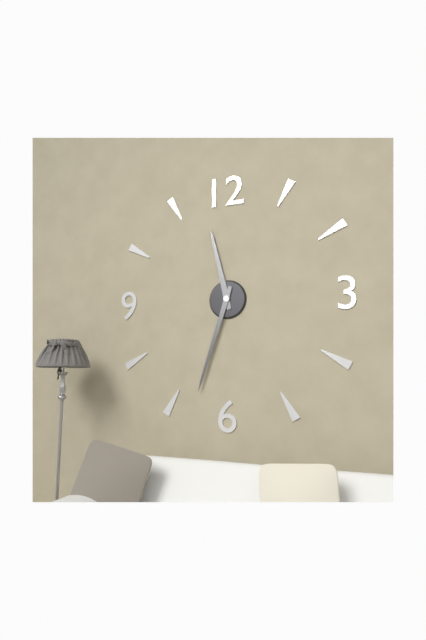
11:33
